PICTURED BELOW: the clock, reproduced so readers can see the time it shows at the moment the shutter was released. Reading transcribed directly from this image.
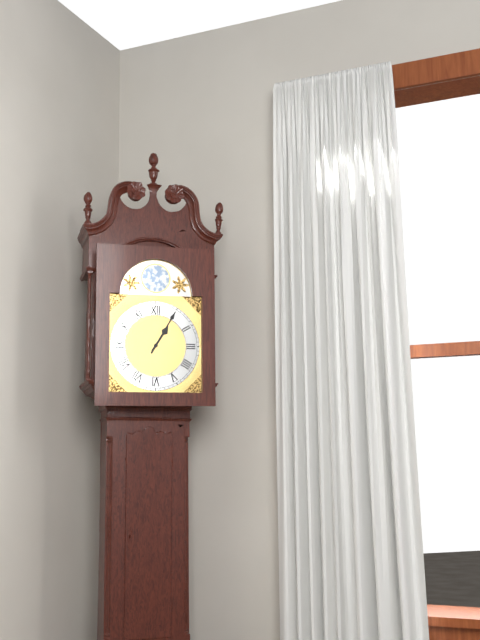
1:05
